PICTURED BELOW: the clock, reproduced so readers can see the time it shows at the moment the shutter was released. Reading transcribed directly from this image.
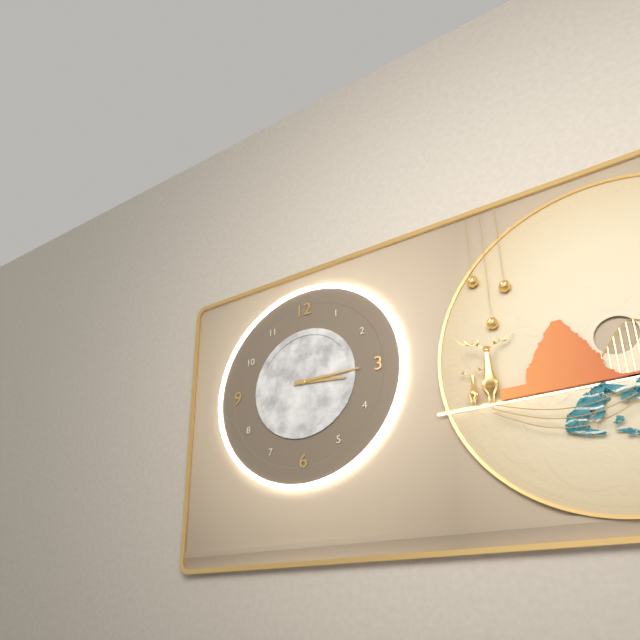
3:15
